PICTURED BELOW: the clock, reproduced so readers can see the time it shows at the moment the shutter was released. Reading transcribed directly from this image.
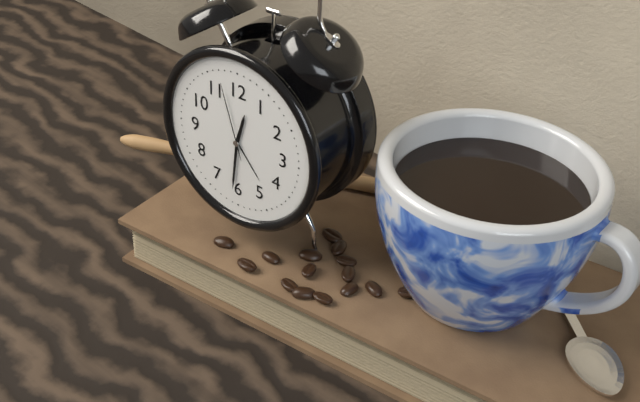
12:31:57
